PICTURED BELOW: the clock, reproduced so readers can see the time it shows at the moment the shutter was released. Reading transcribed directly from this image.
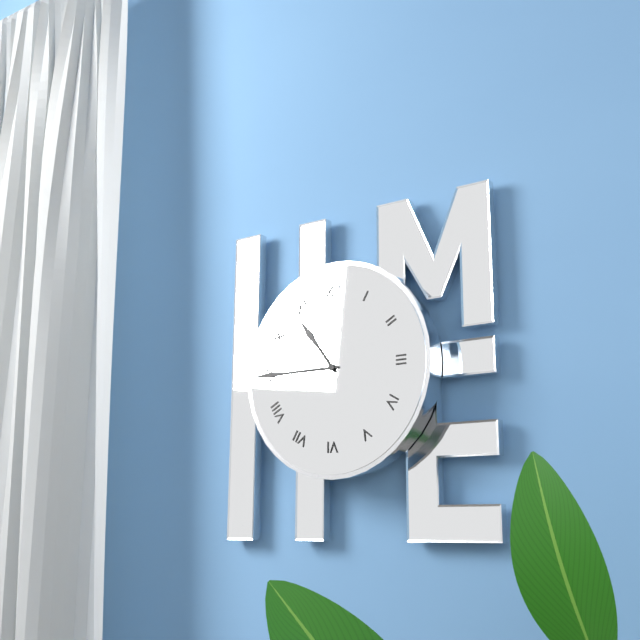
10:45
